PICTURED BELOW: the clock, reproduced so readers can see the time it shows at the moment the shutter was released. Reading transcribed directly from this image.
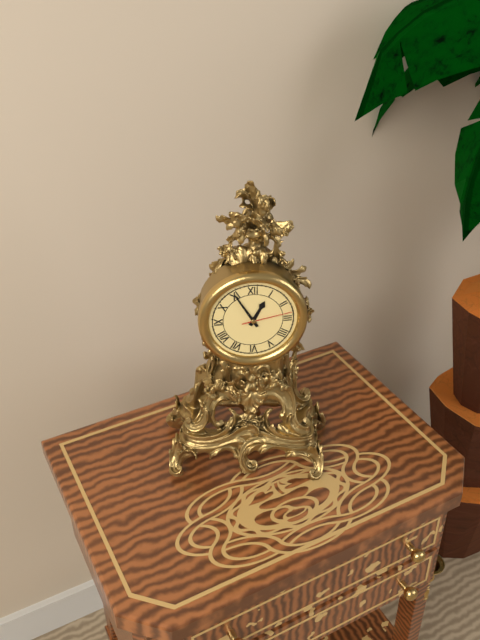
12:55:13
